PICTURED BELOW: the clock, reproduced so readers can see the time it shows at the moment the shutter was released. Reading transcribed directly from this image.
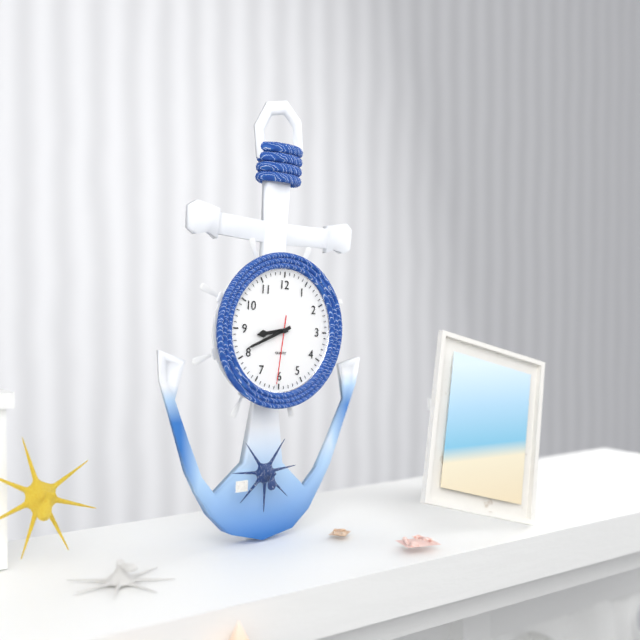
8:41:31
